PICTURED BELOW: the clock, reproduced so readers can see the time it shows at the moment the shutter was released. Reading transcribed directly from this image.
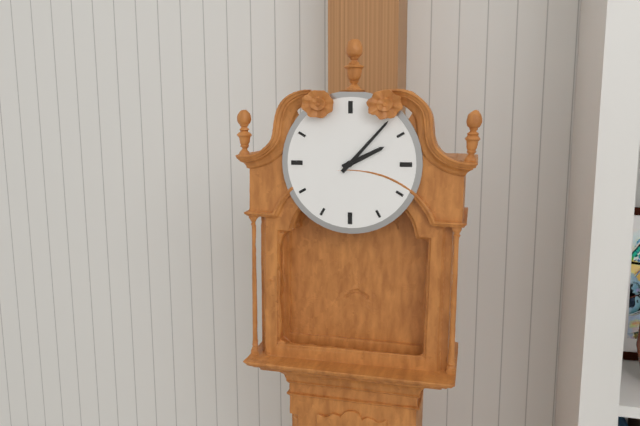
2:07
